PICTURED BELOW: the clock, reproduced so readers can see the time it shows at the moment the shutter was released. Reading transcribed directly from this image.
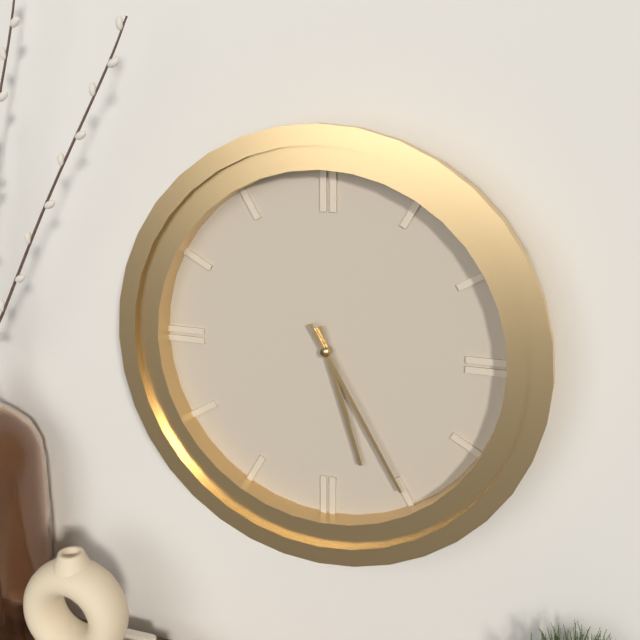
5:25
